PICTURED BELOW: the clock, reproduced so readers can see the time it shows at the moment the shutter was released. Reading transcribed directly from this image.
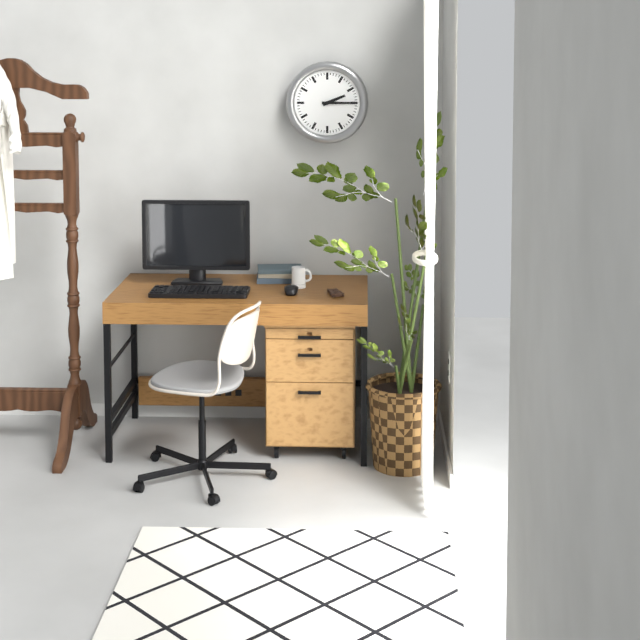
2:15
